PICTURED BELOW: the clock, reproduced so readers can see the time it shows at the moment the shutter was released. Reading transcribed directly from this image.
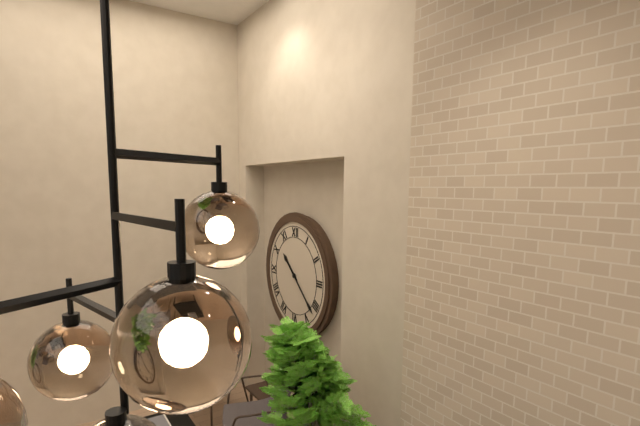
10:22
